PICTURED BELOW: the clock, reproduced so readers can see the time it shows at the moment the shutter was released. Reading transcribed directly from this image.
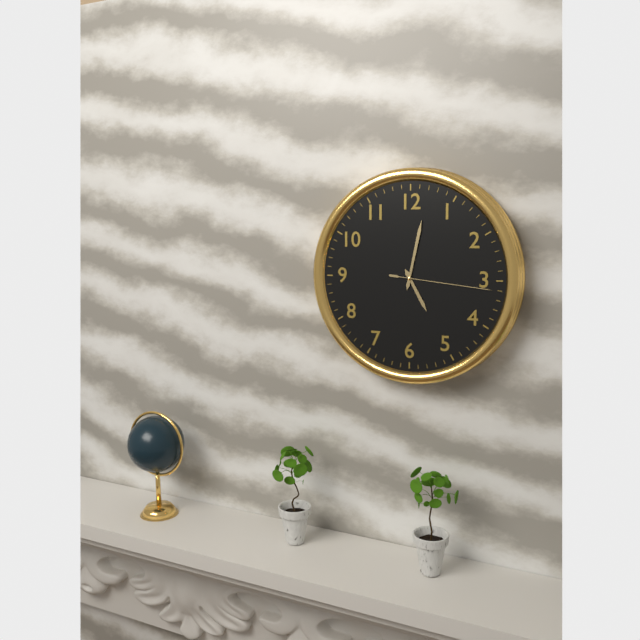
5:02:16
